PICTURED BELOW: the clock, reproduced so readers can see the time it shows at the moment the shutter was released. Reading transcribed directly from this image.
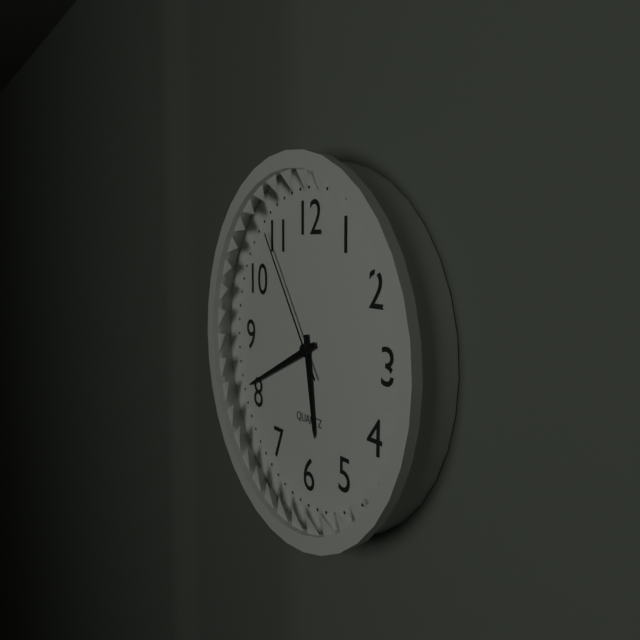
5:41:54
